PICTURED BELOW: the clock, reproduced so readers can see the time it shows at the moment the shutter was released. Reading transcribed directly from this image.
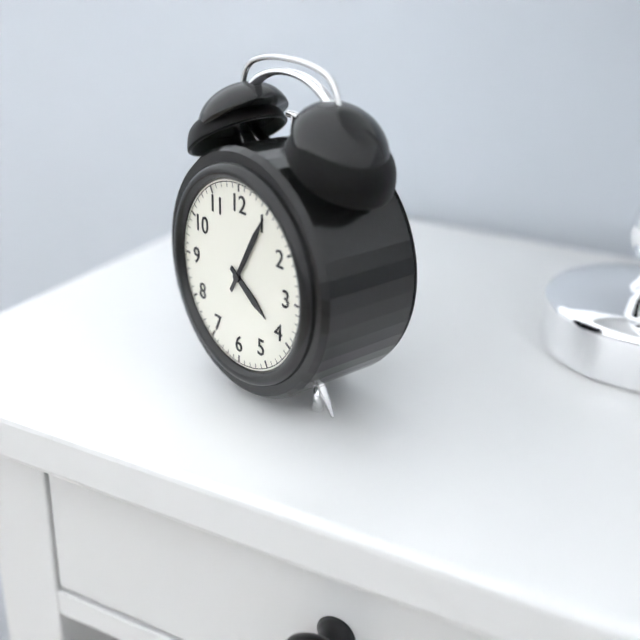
4:05
